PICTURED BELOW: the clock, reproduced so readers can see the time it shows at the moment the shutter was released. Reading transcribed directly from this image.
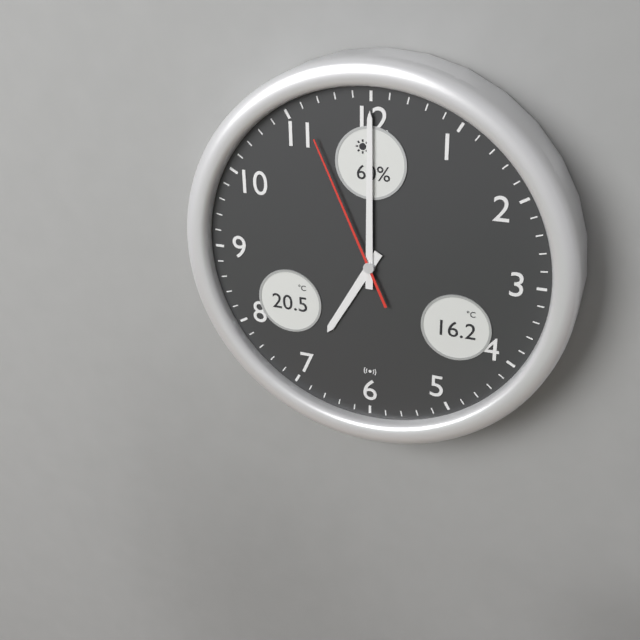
7:00:56
